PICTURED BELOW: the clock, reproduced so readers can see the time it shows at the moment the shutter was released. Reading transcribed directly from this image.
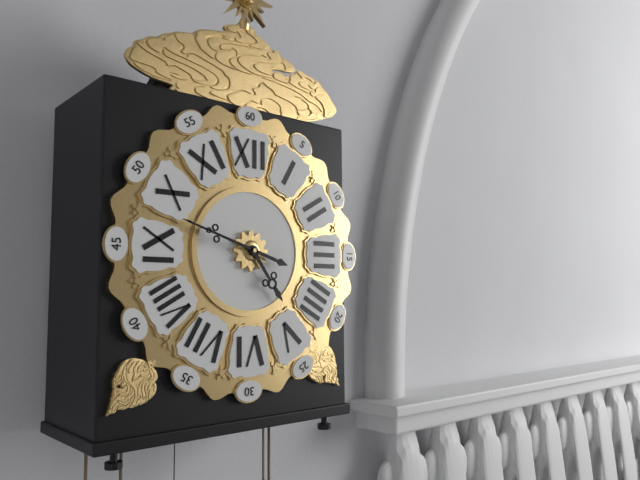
4:48
